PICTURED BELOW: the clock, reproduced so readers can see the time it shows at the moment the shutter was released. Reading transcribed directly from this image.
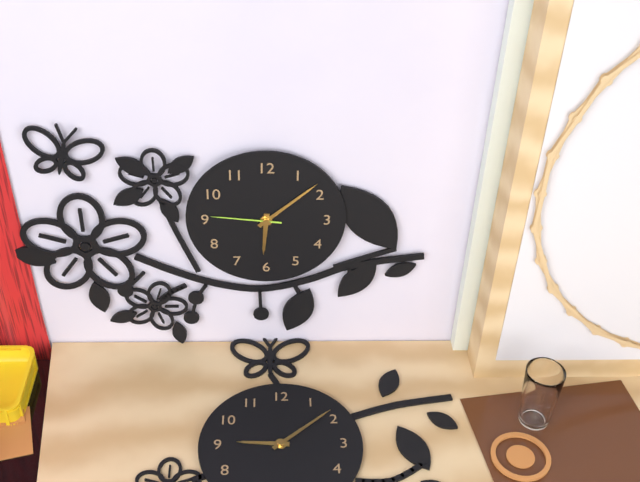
6:08:46
